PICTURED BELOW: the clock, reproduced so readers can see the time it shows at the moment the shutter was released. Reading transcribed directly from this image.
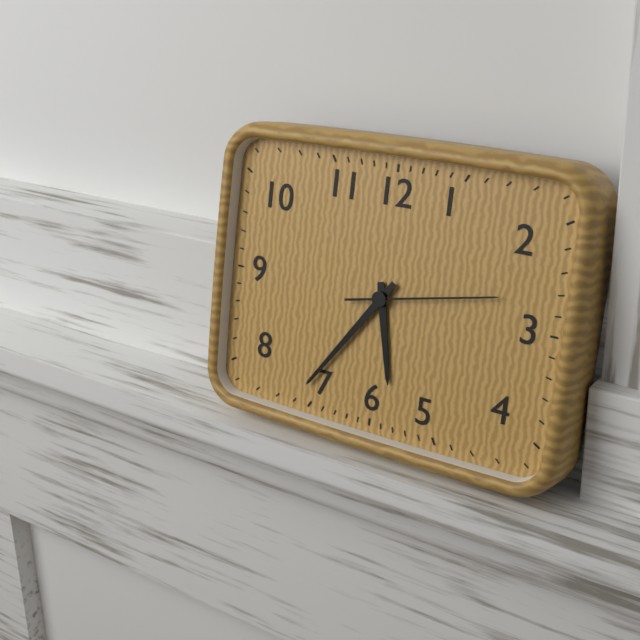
5:36:13
